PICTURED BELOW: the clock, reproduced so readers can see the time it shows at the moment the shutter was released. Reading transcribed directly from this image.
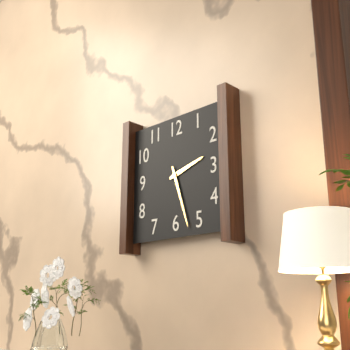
2:27
